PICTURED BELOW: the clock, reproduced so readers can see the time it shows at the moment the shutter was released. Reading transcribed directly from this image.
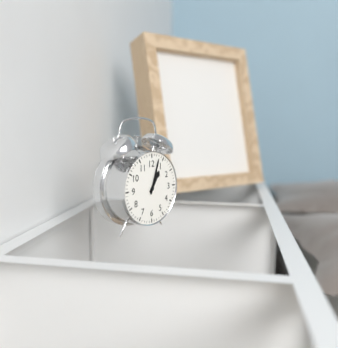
1:03
